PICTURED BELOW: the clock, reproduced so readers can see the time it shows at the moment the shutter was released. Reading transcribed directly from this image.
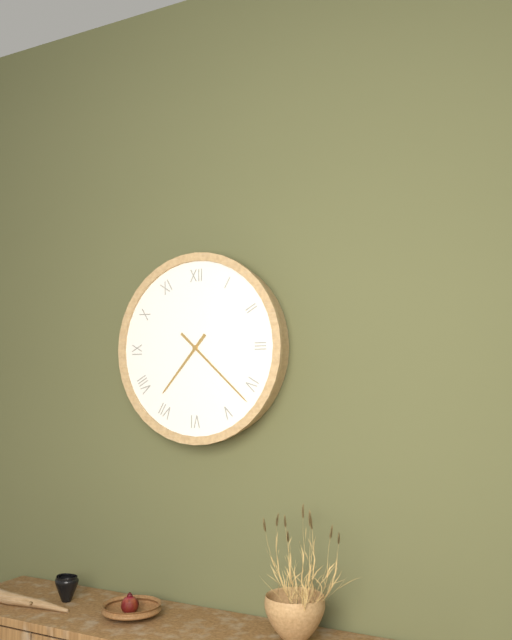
7:22
